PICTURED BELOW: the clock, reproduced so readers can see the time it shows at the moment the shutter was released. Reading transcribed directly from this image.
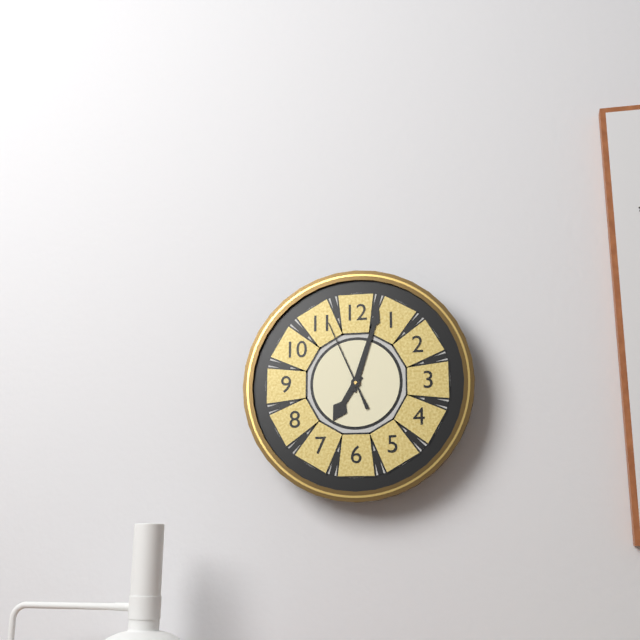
7:03:56
